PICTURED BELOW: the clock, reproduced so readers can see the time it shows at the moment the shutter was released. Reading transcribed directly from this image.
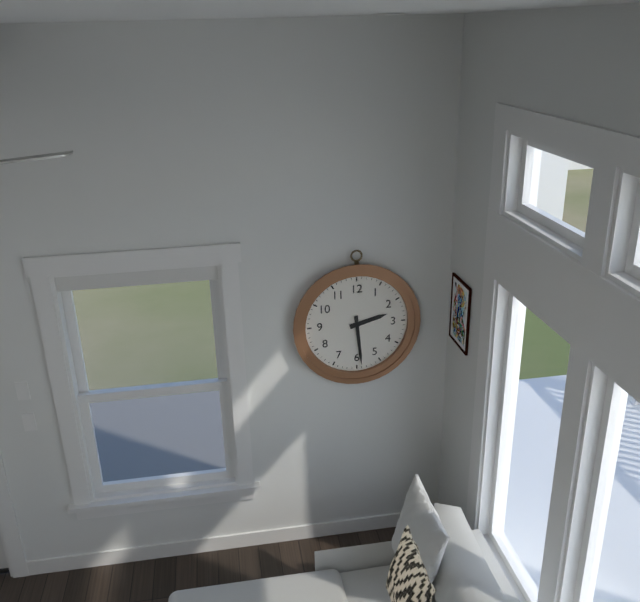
2:29
